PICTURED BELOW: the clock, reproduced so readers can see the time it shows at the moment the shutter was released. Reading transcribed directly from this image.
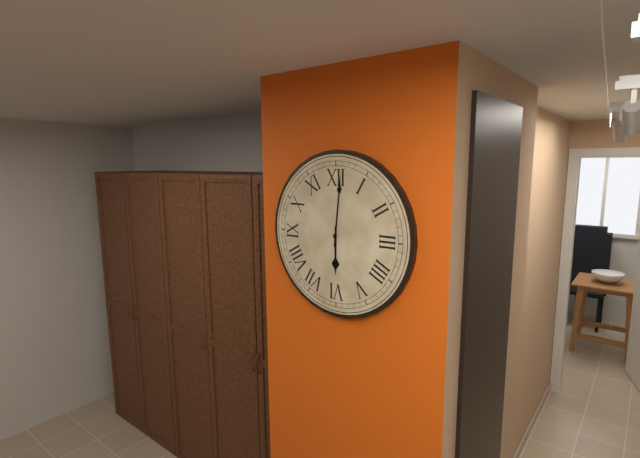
6:01
